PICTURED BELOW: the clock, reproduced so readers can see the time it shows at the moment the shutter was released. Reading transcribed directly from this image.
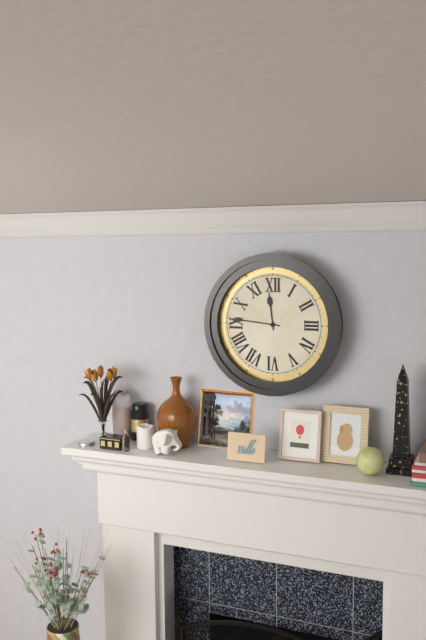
11:46
